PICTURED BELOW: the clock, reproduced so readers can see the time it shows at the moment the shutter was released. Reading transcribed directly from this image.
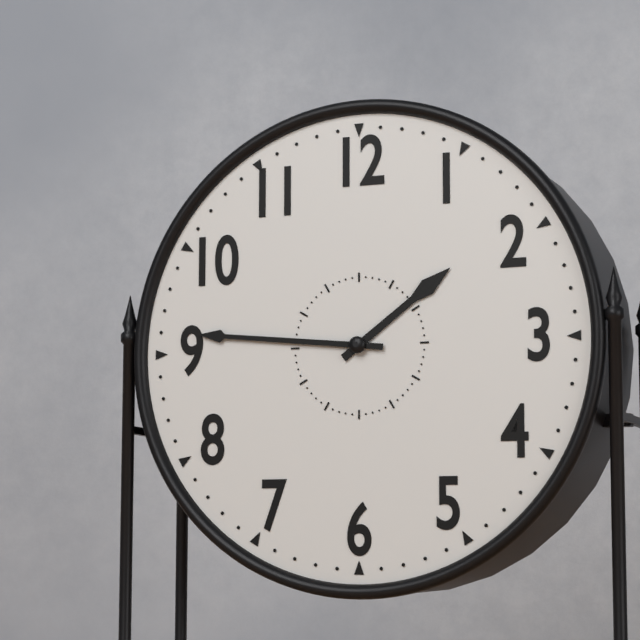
1:46
